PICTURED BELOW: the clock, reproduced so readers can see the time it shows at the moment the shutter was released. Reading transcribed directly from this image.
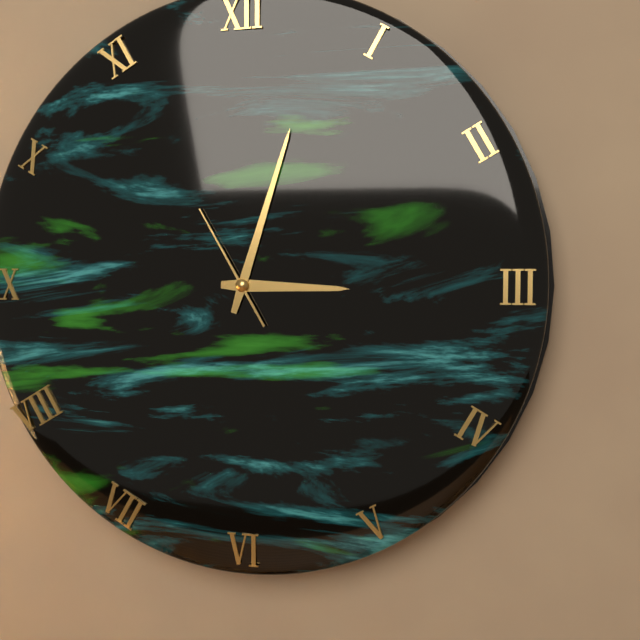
3:03:55
